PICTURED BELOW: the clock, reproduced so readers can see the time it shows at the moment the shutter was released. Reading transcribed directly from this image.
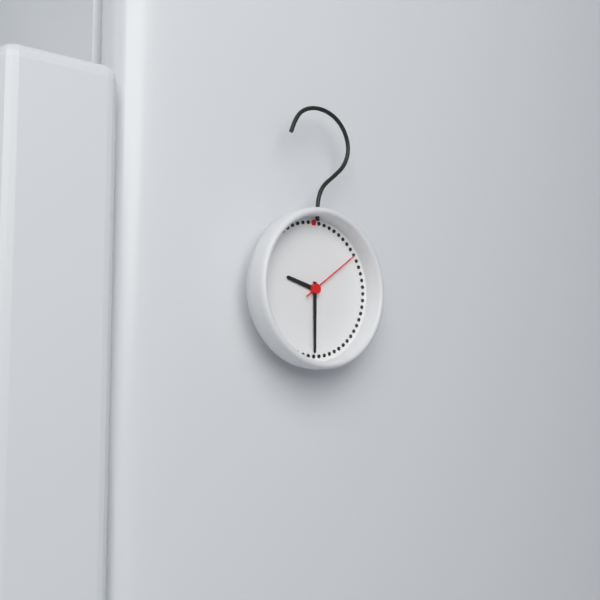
9:30:09
